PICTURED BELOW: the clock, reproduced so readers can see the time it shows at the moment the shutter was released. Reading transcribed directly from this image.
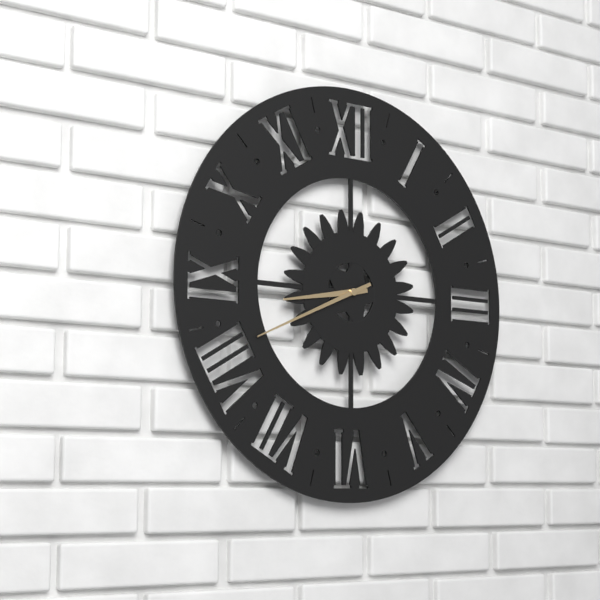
8:41
